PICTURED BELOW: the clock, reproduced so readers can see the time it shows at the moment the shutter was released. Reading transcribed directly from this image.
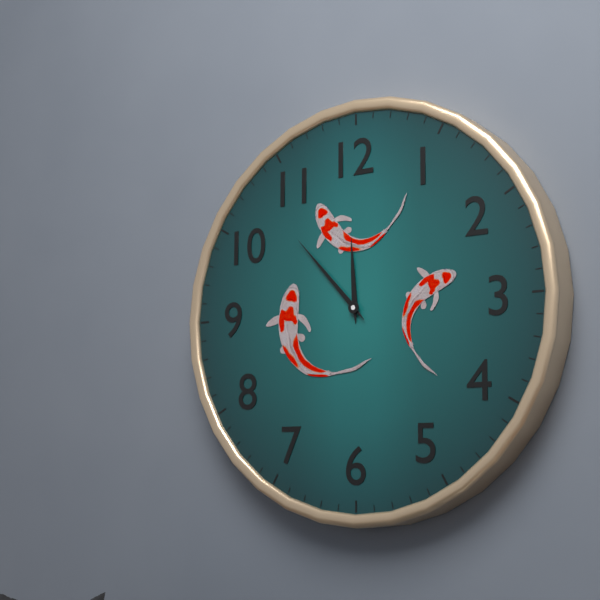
11:53
